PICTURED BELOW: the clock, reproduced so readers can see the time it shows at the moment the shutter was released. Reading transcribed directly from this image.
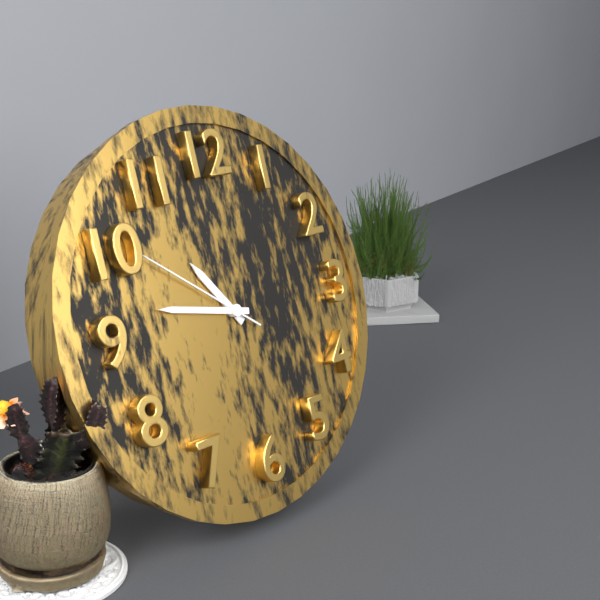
10:47:51
